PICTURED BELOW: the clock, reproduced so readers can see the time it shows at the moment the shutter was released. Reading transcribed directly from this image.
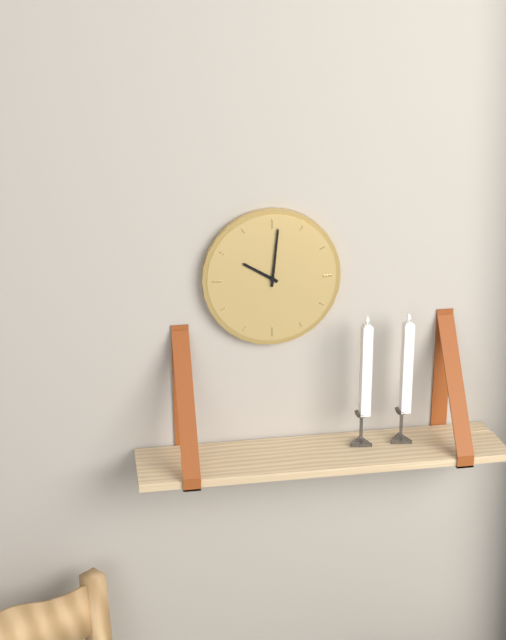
10:01
